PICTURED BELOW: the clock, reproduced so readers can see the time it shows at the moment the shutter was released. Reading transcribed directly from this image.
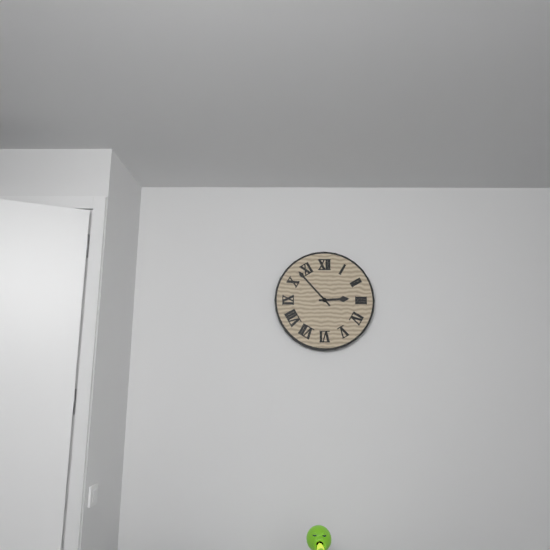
2:53
